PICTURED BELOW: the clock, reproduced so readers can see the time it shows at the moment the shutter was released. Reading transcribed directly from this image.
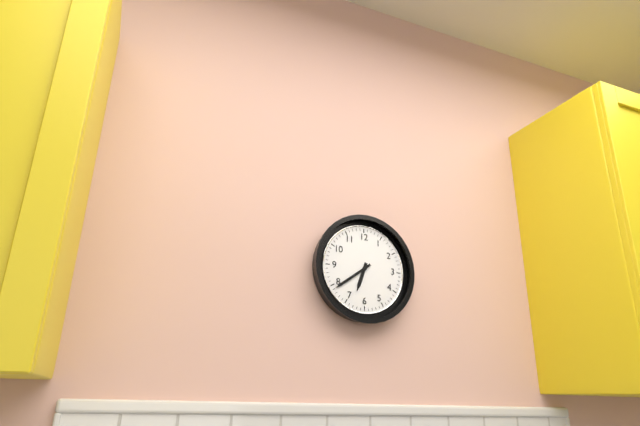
6:39
